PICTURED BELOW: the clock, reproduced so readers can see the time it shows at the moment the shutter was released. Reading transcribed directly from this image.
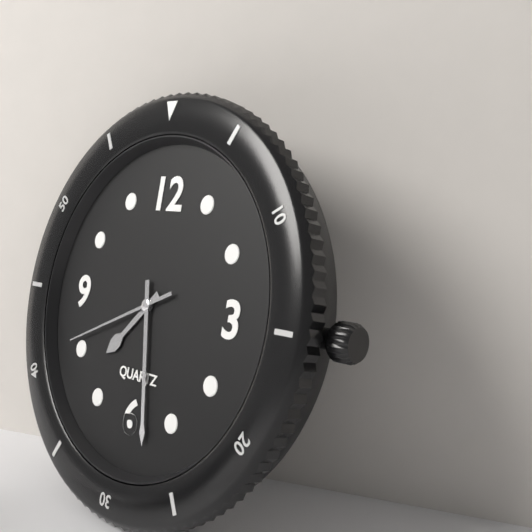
7:28:41
